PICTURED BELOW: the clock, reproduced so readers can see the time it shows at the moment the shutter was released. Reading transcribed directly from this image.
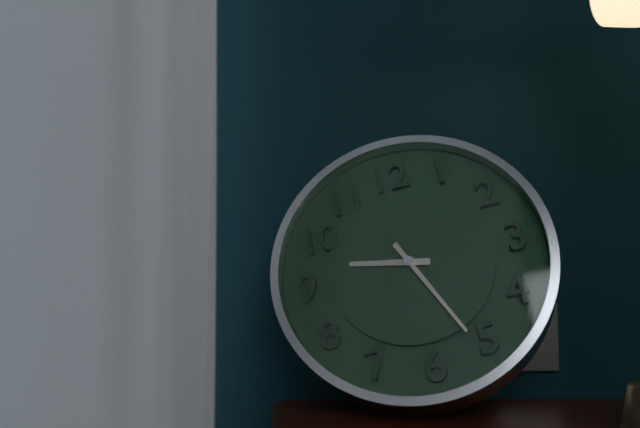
9:26
